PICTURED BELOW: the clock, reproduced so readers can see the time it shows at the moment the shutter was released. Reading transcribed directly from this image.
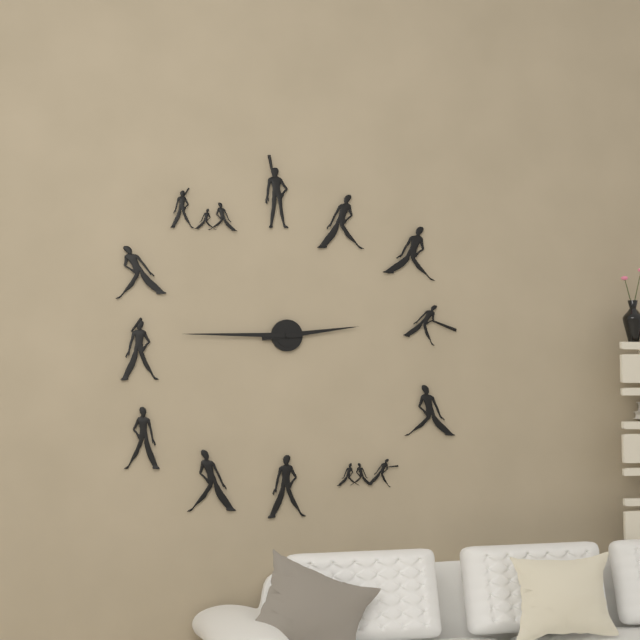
2:45
